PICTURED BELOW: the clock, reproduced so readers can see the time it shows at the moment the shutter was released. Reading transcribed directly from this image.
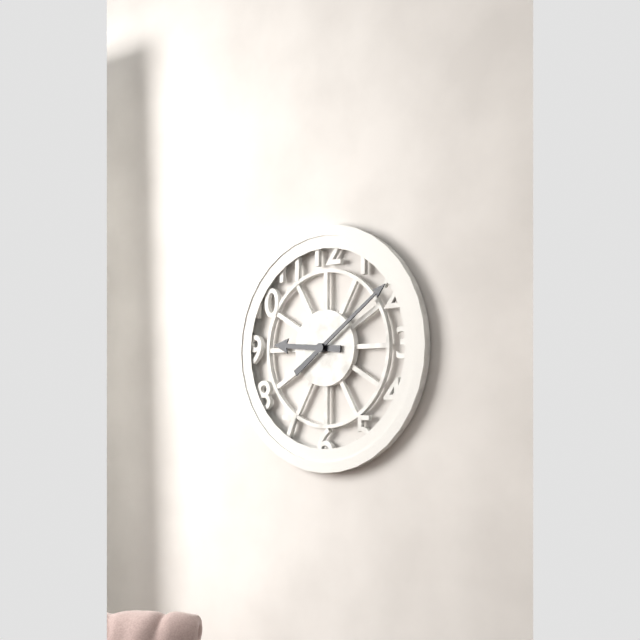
9:09
